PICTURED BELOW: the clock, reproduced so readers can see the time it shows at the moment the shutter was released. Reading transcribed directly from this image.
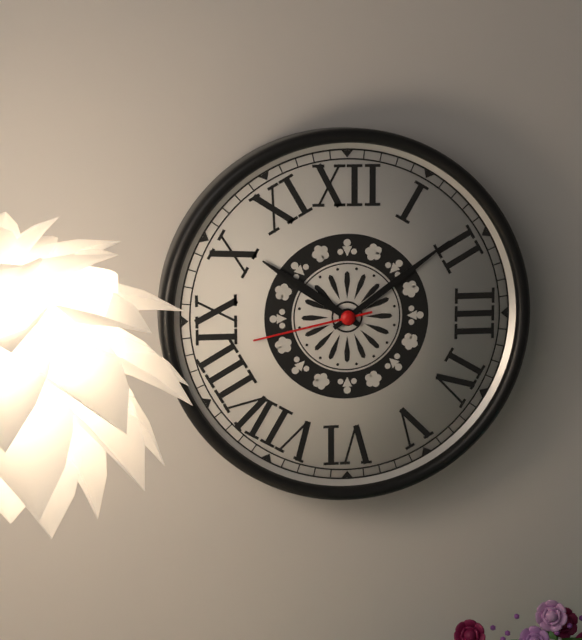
10:09:43
